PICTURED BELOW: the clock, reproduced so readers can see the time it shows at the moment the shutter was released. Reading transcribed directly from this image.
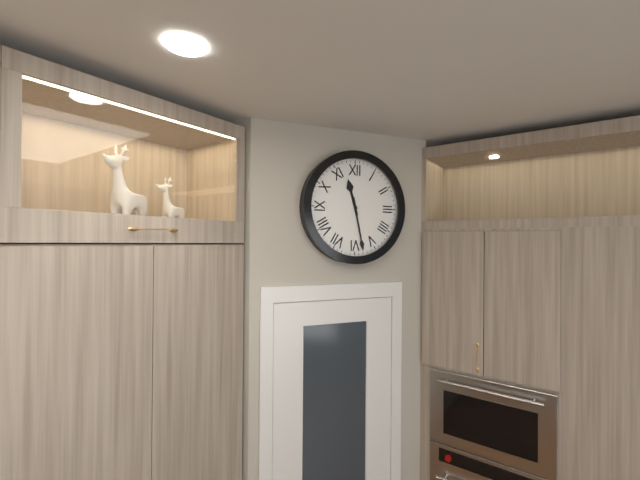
11:28
